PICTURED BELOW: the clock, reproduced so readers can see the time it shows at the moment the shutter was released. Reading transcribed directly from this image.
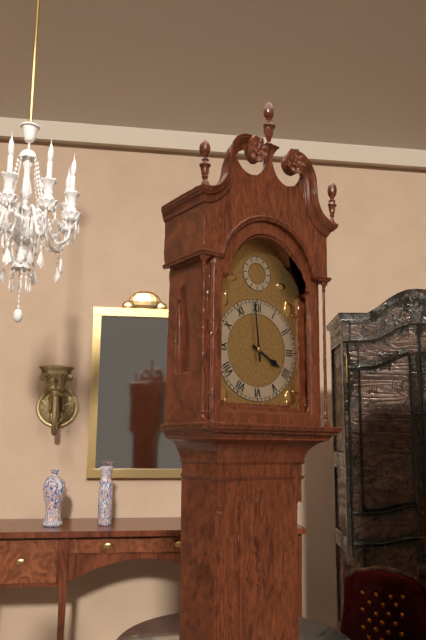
3:59
